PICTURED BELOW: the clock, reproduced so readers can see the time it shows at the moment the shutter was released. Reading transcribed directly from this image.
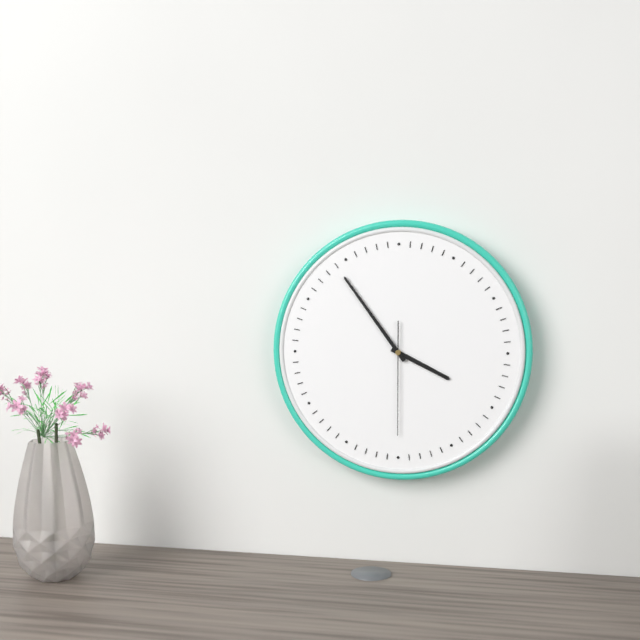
3:54:30
